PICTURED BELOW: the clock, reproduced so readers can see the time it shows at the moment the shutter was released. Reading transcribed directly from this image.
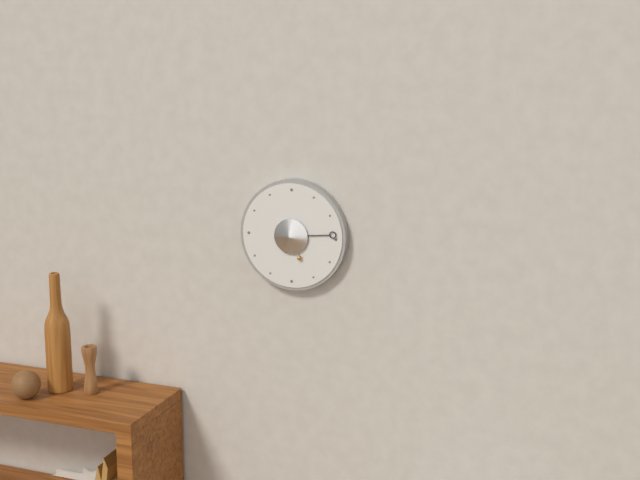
5:14
